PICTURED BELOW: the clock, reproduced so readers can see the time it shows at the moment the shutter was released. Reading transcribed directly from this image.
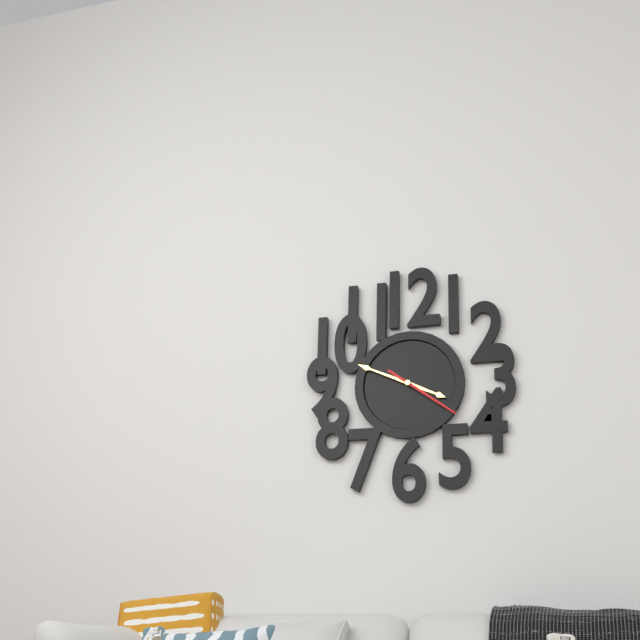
3:49:21
